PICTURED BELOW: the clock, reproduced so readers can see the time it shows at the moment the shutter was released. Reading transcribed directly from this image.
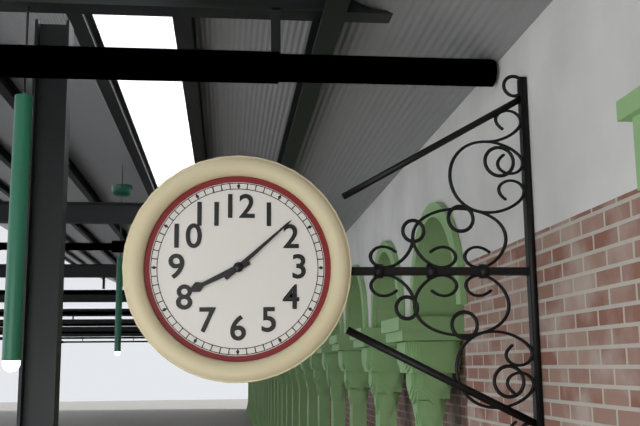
8:08
